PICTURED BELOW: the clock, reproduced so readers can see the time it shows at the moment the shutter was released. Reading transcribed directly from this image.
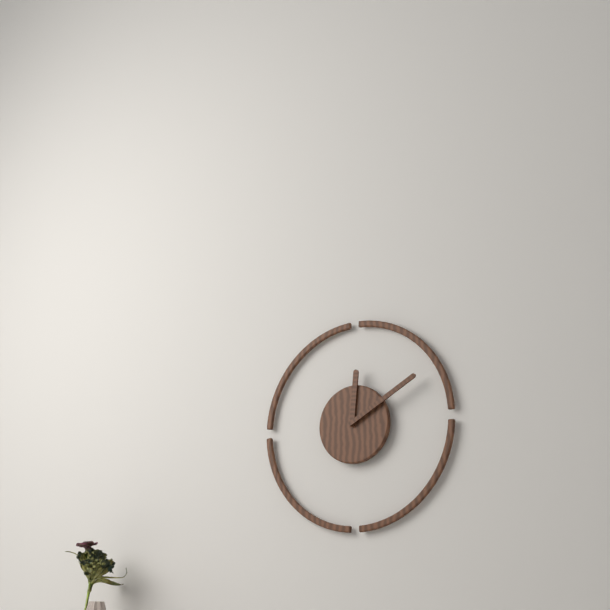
12:10
